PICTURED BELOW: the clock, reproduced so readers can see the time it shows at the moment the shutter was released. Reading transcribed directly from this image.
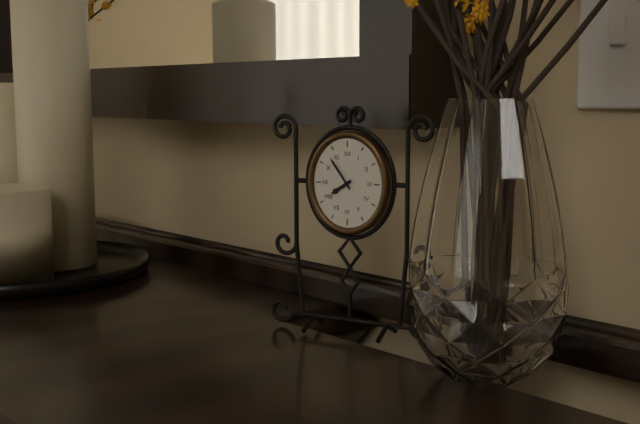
7:54
